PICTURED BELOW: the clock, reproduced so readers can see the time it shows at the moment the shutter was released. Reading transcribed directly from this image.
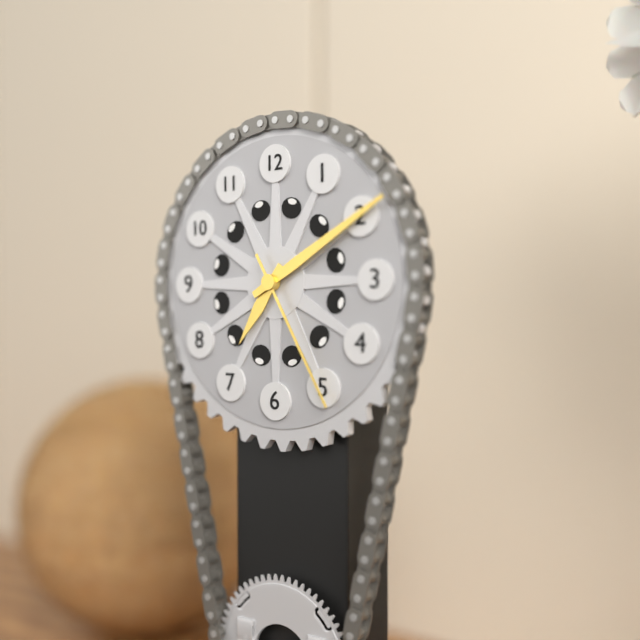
7:10:25
